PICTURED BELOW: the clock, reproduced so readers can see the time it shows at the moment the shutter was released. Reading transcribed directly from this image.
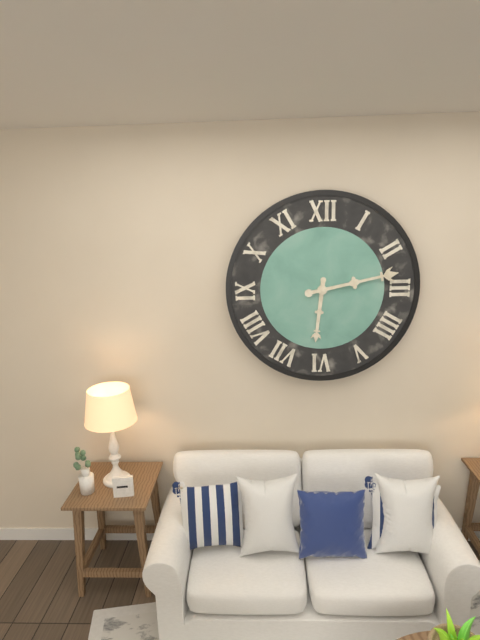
6:13
